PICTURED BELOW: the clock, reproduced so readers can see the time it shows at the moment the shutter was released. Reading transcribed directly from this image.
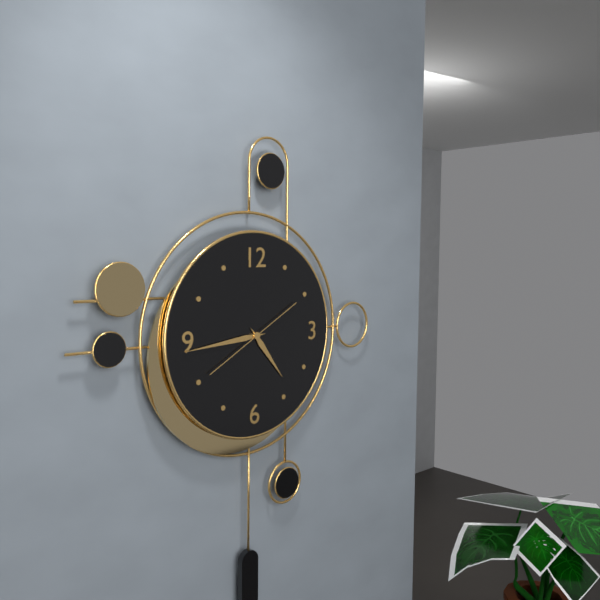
4:44:40
